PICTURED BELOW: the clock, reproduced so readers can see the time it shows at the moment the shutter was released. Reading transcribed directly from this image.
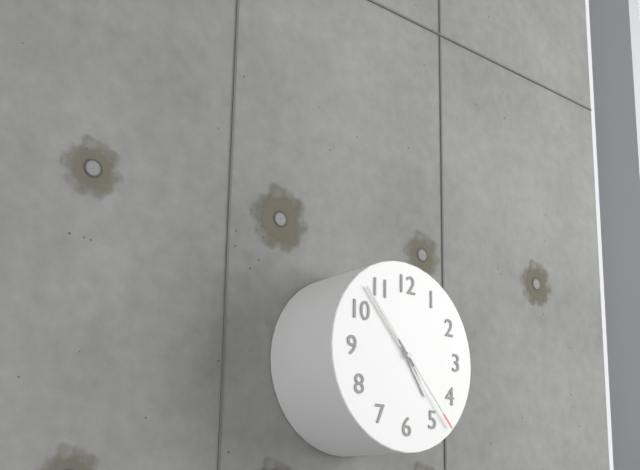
4:53:23
